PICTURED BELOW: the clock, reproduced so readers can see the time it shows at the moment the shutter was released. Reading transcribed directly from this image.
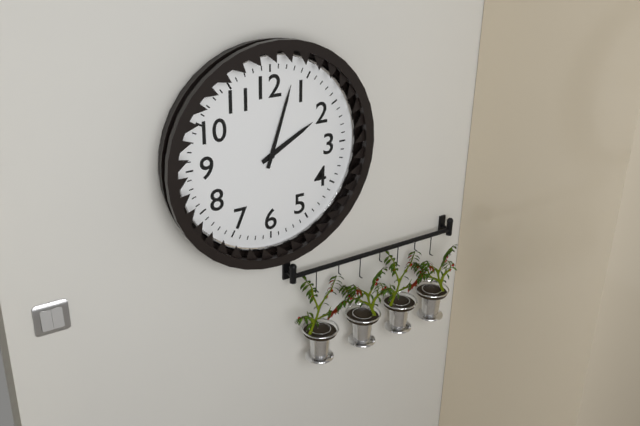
2:03
